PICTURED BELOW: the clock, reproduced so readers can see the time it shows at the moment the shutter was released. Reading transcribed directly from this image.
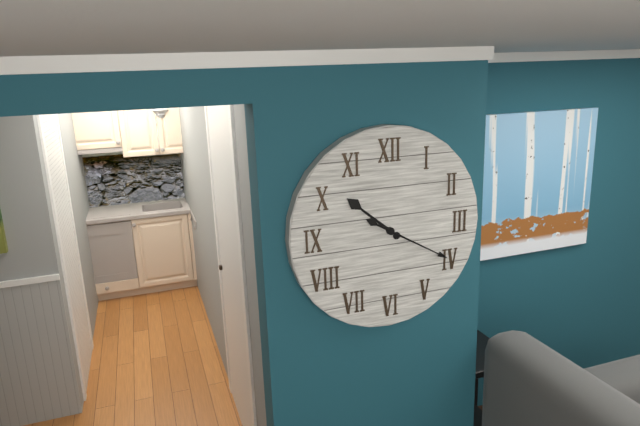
10:20
